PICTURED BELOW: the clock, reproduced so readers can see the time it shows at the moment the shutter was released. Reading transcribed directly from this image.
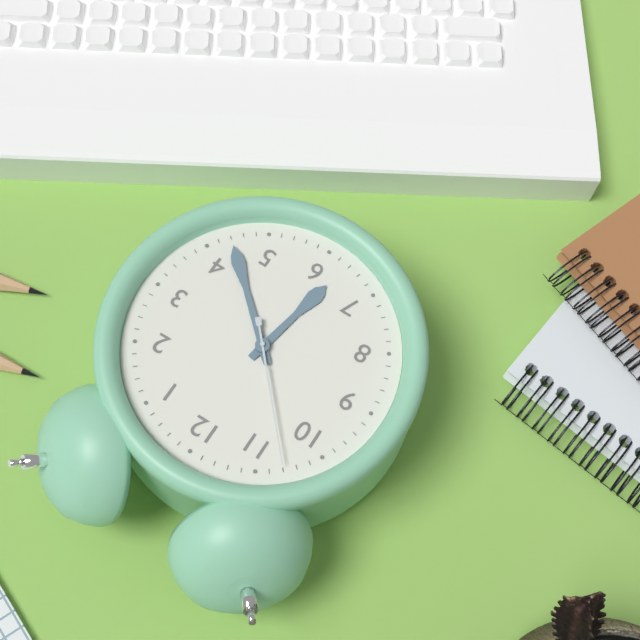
6:22:53
